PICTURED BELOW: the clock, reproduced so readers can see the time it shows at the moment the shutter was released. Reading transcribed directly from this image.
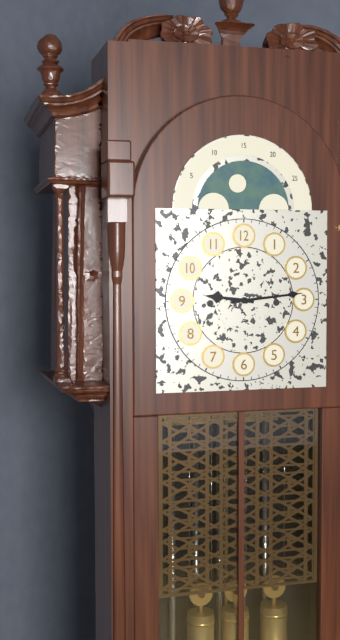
9:14
